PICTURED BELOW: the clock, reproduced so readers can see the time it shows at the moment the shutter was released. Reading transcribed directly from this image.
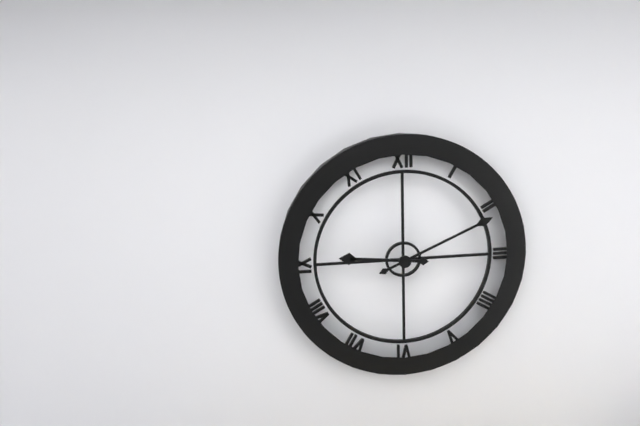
9:11
